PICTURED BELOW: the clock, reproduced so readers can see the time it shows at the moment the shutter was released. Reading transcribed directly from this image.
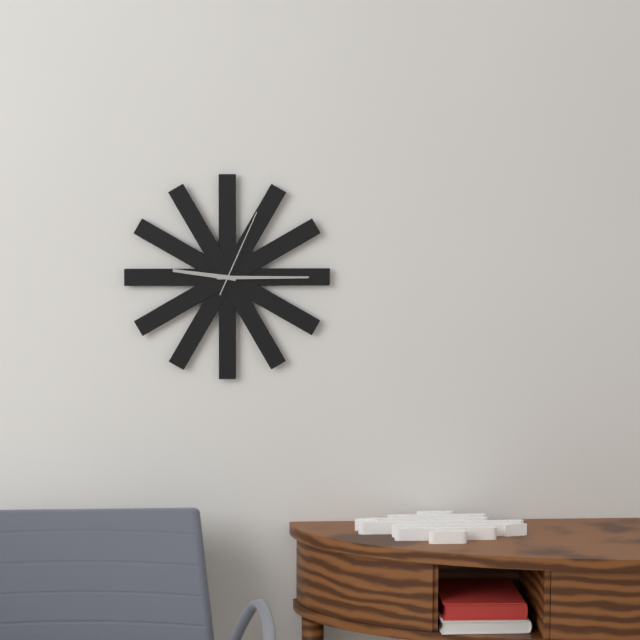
9:15:04
